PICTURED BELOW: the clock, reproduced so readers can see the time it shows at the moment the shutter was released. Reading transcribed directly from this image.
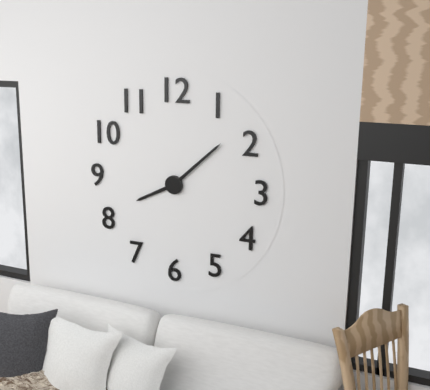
8:08
